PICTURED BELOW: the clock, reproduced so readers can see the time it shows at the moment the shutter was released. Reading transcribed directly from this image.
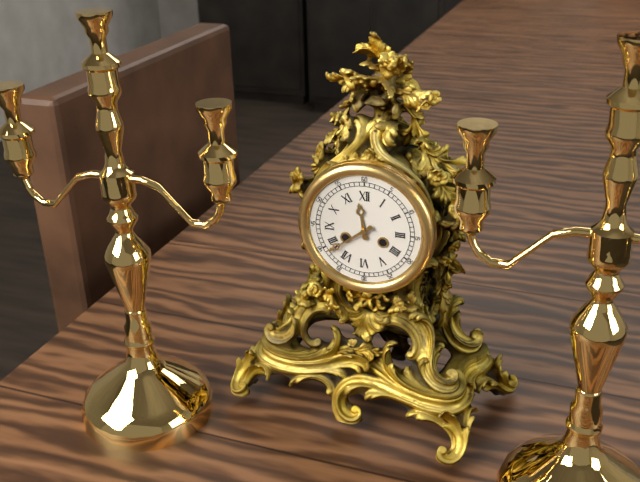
11:39
